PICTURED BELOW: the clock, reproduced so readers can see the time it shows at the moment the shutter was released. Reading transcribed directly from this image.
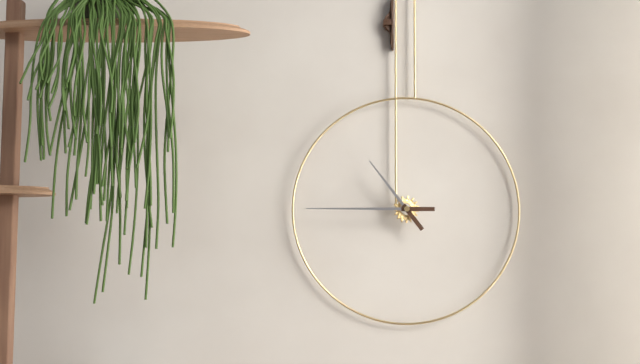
10:45
